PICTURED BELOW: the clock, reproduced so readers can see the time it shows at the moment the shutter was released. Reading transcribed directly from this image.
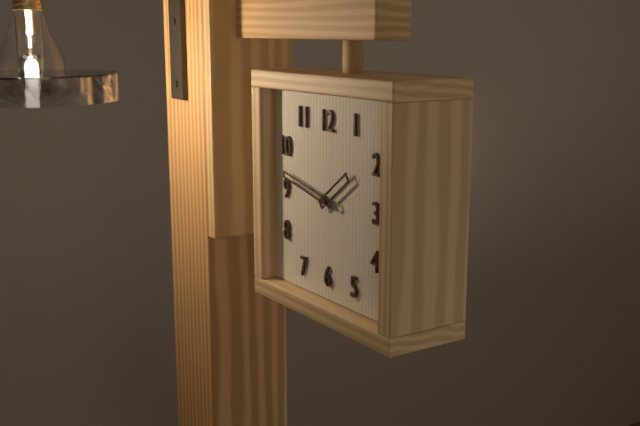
1:47
